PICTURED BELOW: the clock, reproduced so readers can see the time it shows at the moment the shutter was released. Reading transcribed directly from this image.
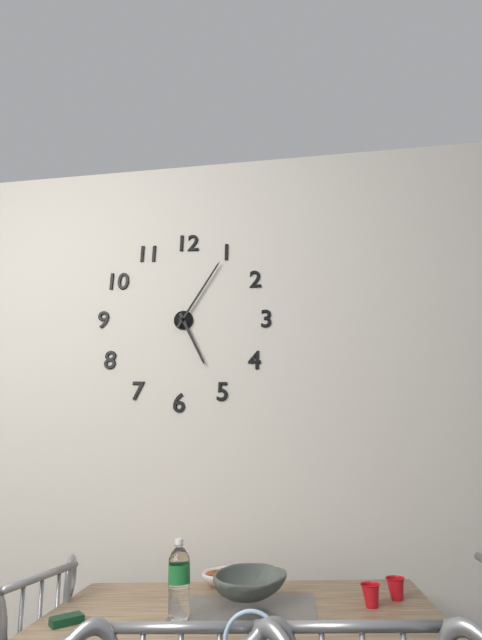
5:05
